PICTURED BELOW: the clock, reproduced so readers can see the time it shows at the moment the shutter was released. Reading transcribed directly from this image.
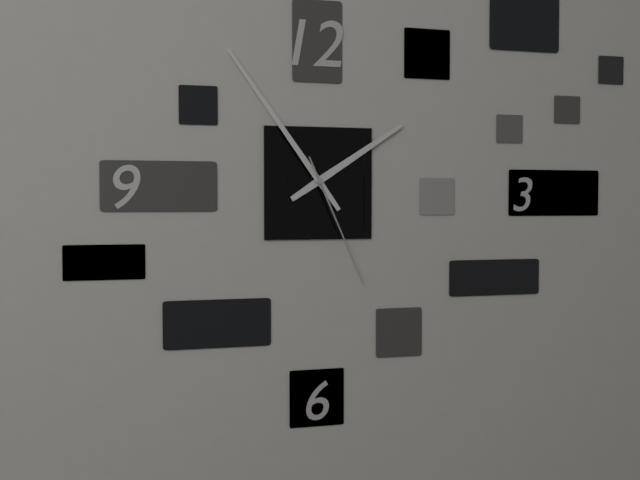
1:54:26
